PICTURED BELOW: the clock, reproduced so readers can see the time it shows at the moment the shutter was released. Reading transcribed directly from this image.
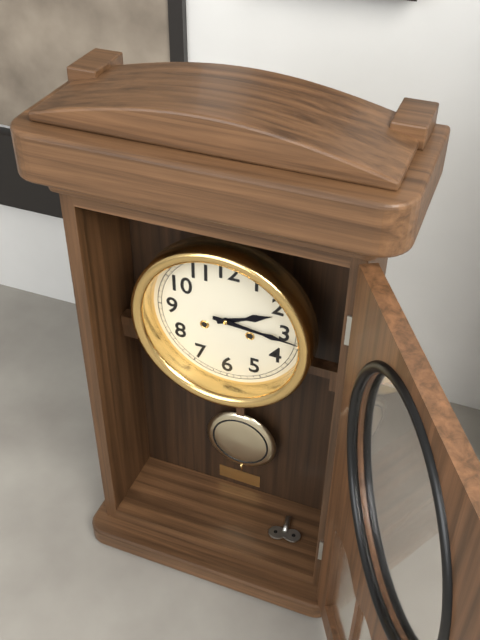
2:16
